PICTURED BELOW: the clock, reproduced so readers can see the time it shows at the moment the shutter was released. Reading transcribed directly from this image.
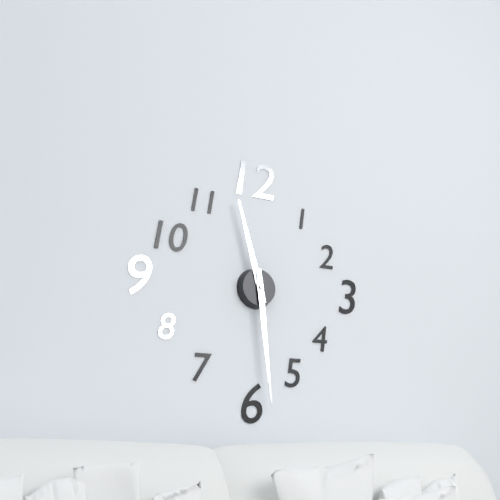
11:29
